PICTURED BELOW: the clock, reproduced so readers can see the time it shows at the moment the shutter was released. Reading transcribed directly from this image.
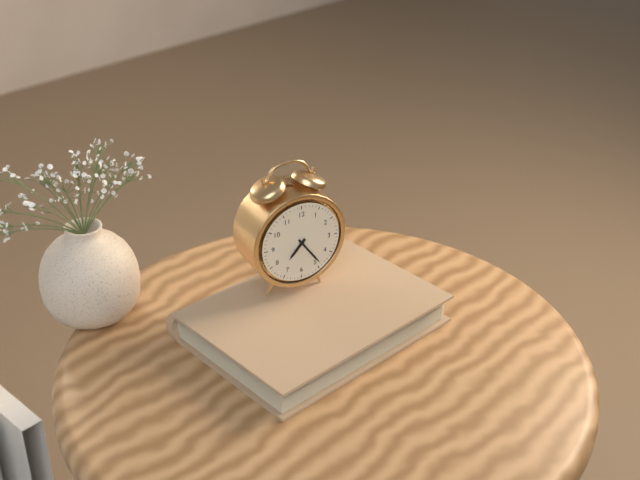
7:24
